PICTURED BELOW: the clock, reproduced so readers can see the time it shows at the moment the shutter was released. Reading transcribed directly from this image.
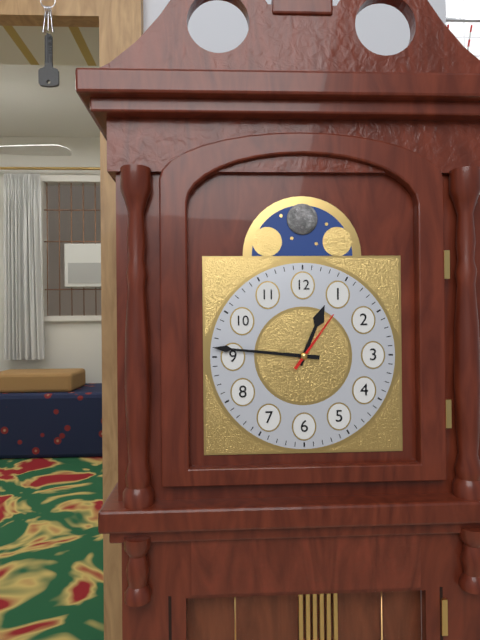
12:46:06
